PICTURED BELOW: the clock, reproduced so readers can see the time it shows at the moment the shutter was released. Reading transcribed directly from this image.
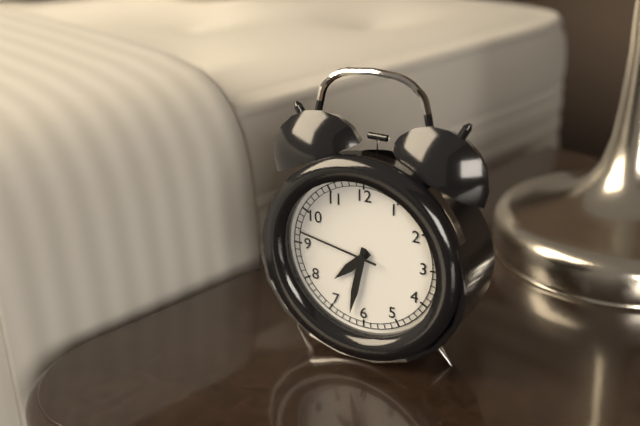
7:32:47
